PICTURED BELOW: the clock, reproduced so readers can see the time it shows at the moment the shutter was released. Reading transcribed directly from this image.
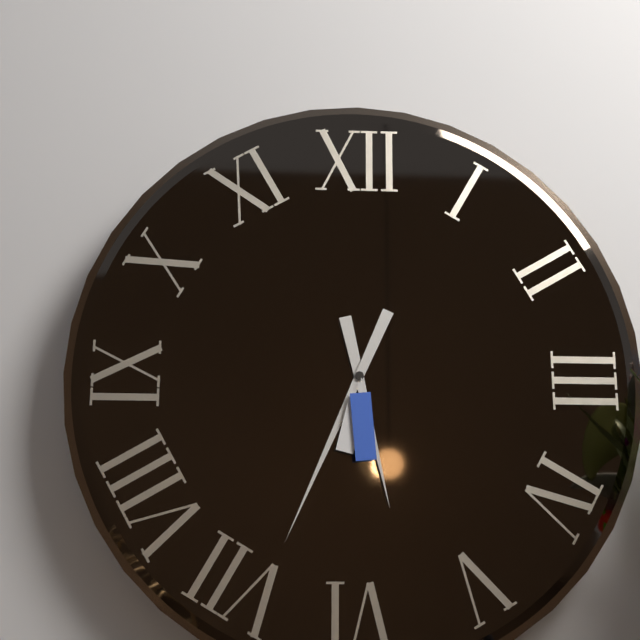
5:34
